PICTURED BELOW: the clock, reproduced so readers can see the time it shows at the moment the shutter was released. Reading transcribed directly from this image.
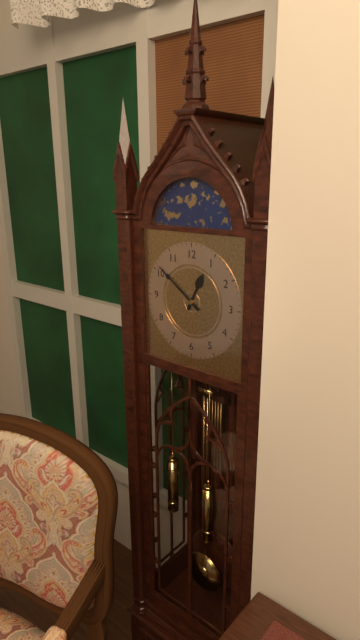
12:51
